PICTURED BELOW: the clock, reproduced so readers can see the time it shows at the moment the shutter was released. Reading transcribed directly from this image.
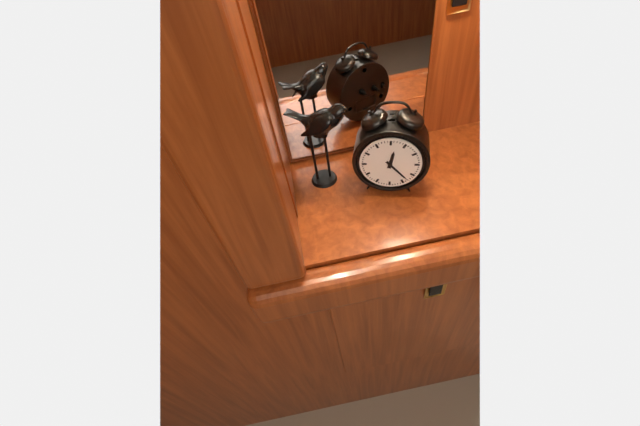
12:23
